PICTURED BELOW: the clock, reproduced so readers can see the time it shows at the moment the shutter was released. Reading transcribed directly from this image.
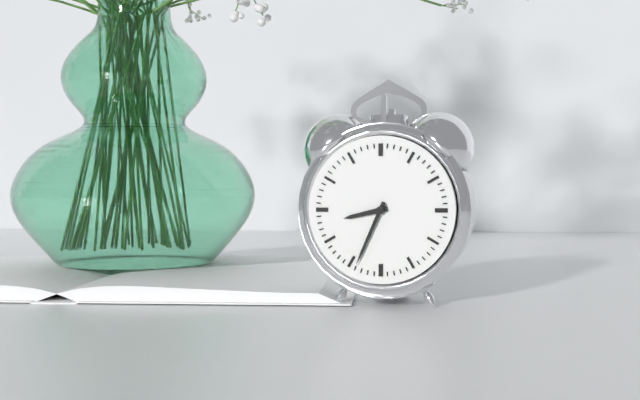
8:34
